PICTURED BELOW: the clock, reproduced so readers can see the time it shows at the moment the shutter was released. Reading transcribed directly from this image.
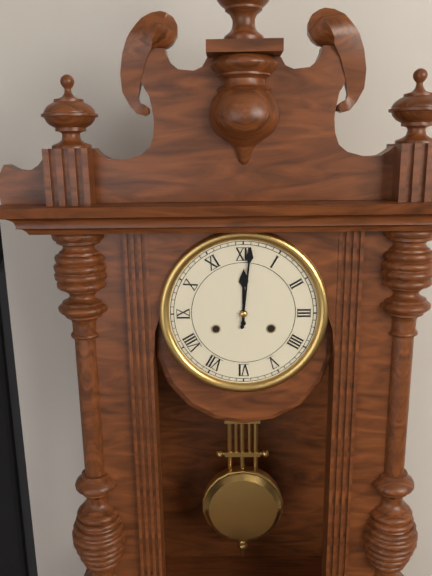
12:01
